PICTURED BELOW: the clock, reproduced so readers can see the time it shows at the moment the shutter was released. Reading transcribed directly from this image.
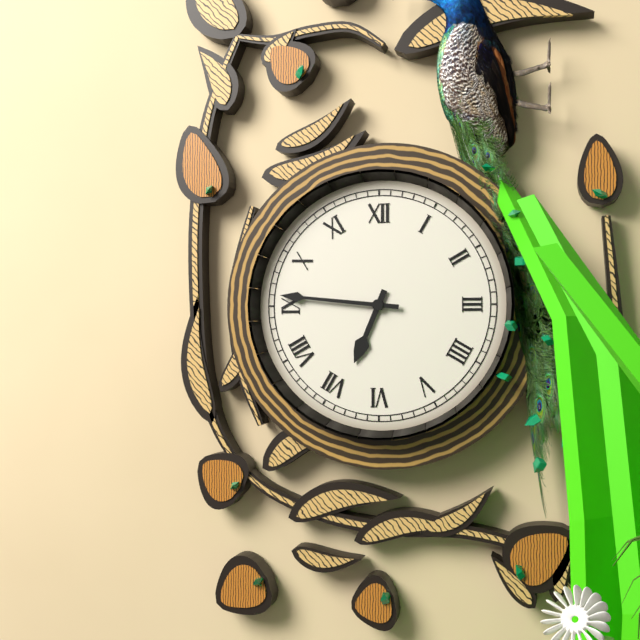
6:46
